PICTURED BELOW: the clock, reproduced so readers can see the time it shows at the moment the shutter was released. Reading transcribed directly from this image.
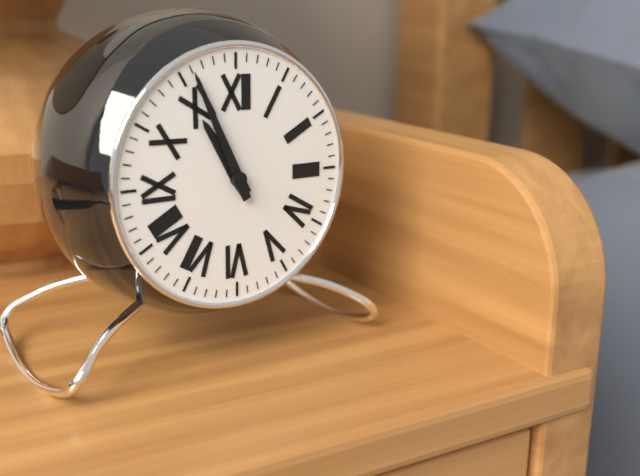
10:56
